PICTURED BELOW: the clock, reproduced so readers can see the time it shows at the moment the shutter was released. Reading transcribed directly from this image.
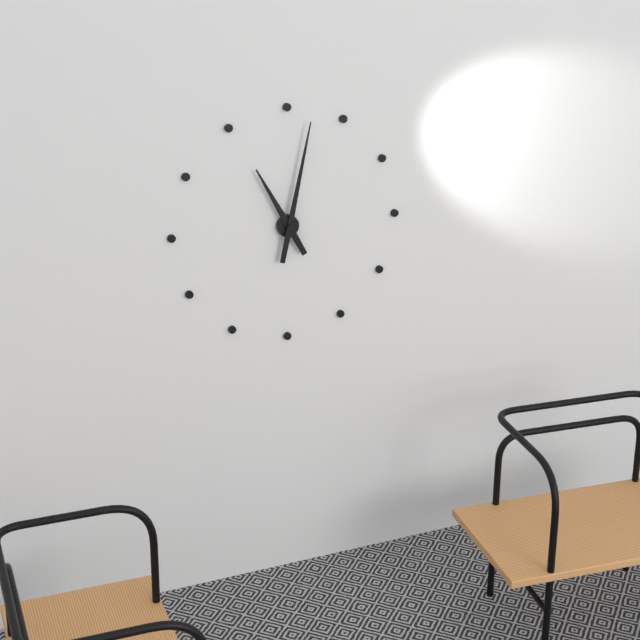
11:02
